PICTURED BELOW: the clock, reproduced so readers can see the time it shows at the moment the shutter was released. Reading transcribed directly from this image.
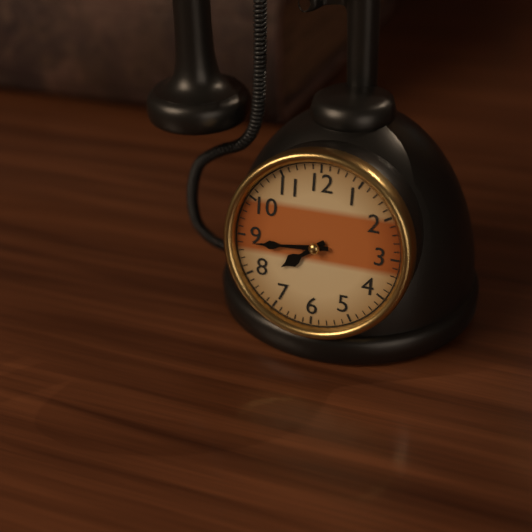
7:44
